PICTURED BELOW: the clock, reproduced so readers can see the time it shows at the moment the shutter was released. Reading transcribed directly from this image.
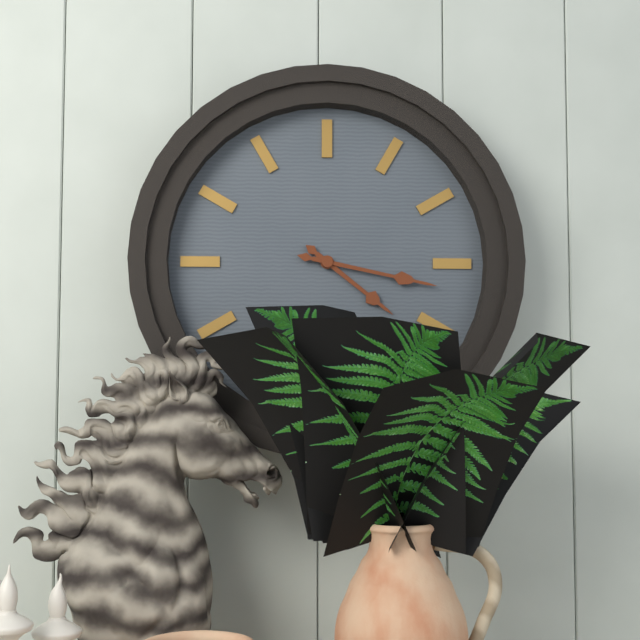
4:17
